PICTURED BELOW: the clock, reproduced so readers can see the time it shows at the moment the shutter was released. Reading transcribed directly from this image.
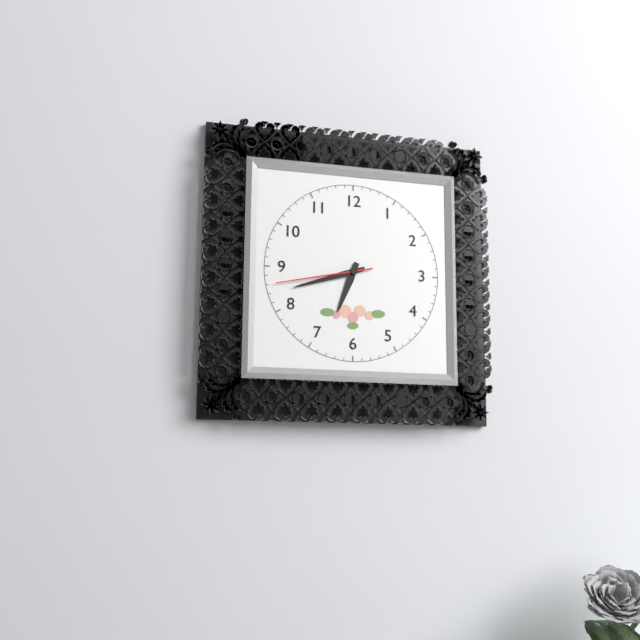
6:42:43
